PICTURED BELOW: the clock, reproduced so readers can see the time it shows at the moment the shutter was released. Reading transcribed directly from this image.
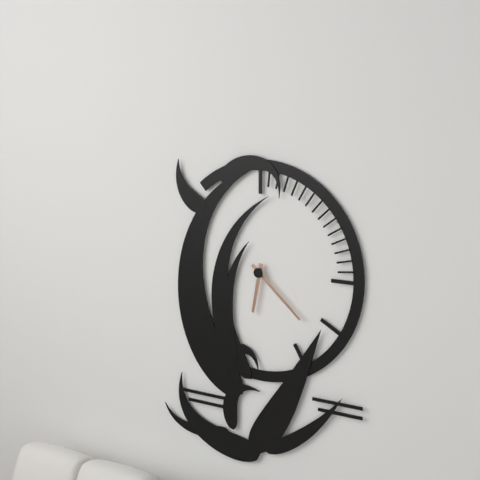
6:22
